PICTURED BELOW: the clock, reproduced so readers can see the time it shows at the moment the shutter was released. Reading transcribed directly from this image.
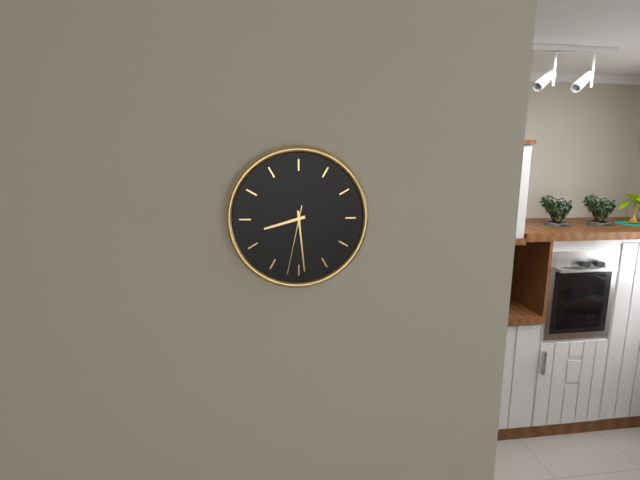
8:29:32
